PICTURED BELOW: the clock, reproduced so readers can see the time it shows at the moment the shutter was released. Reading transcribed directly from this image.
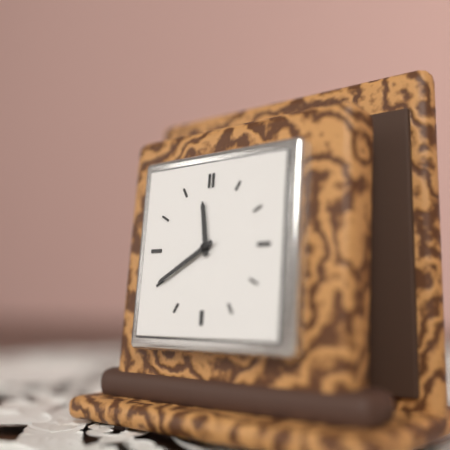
11:40
